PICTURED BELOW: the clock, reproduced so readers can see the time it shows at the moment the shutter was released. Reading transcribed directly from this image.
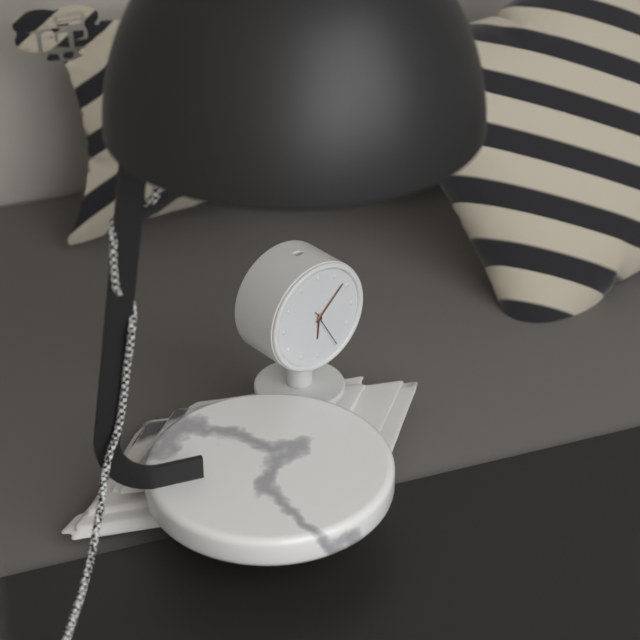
6:08
